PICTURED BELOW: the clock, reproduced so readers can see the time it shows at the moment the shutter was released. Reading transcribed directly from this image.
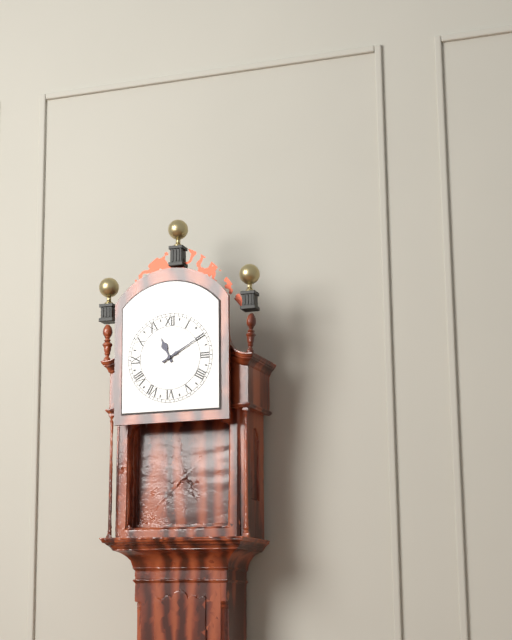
11:10
